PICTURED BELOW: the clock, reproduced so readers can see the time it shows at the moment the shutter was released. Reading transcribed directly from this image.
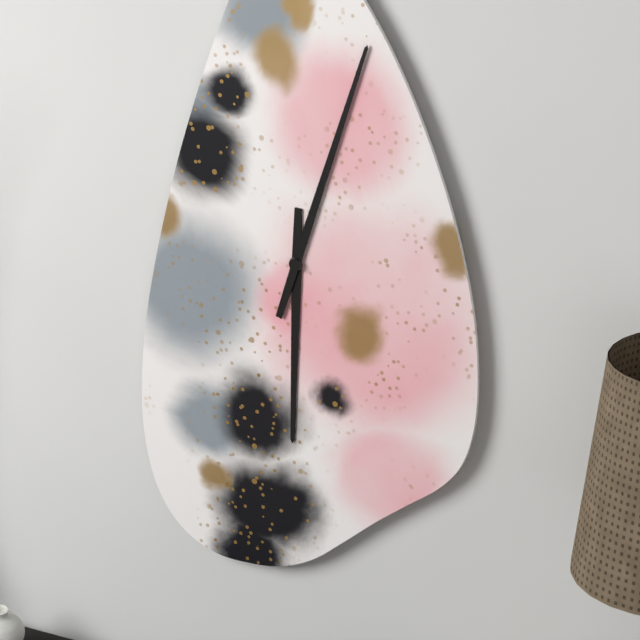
6:03
